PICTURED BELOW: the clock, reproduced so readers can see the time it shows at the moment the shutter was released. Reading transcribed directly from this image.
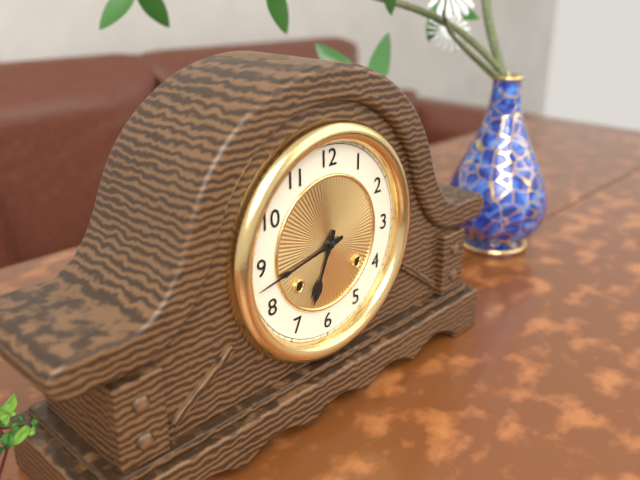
6:43
